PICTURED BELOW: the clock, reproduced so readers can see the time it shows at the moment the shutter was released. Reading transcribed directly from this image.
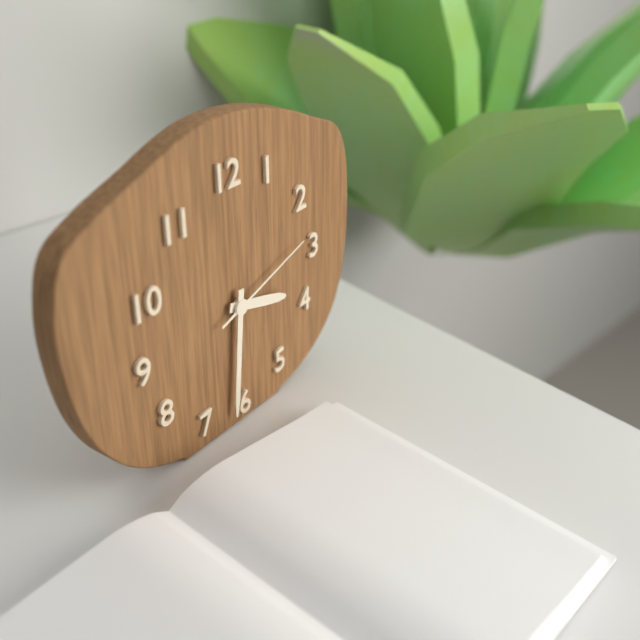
3:31:12
